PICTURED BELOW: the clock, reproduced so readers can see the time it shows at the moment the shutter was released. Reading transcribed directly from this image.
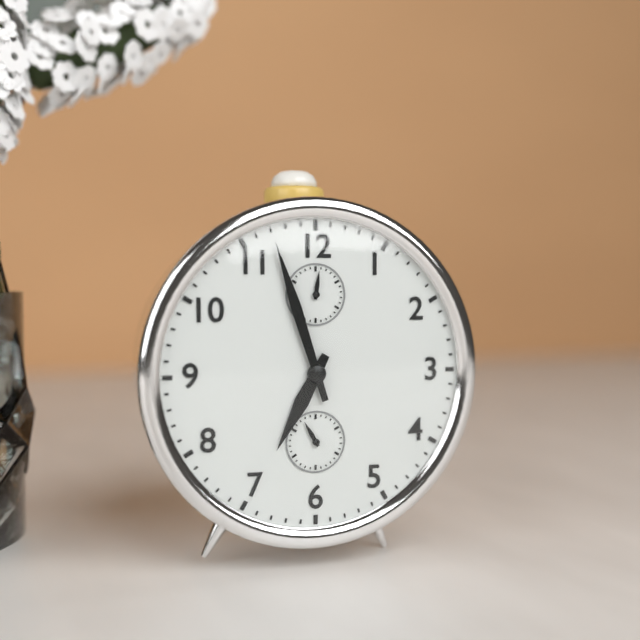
6:57
